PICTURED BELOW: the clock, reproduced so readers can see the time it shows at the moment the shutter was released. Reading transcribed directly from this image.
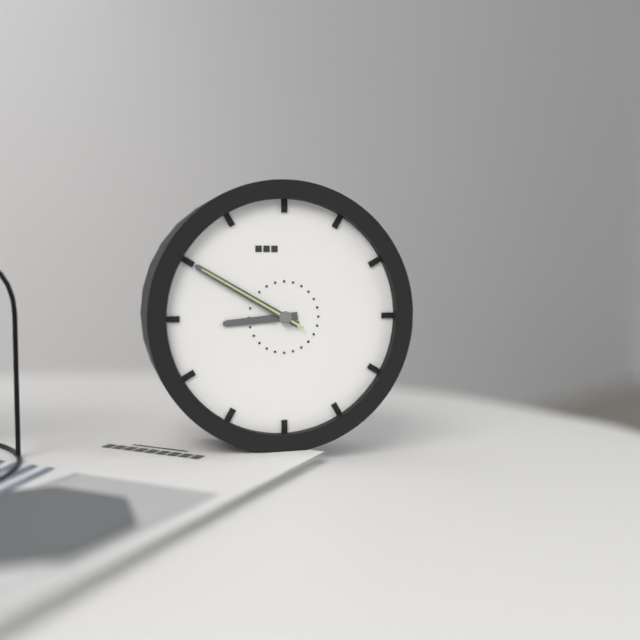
8:50:50
